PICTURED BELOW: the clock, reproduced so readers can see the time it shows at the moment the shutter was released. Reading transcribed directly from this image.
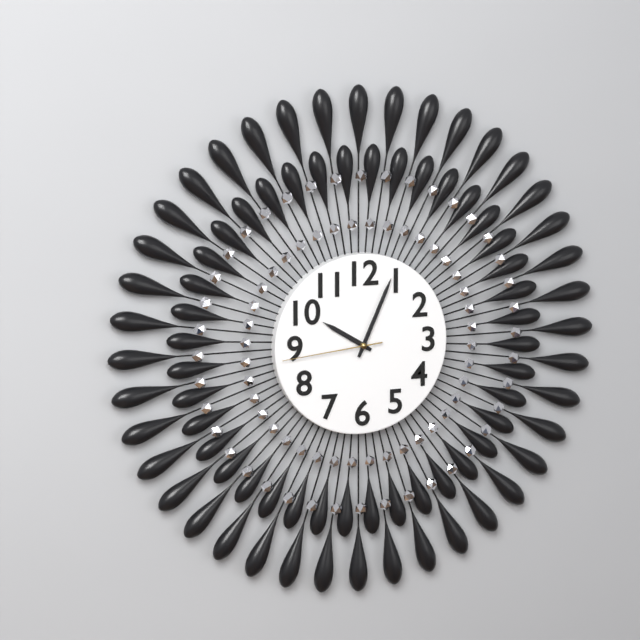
10:04:44
